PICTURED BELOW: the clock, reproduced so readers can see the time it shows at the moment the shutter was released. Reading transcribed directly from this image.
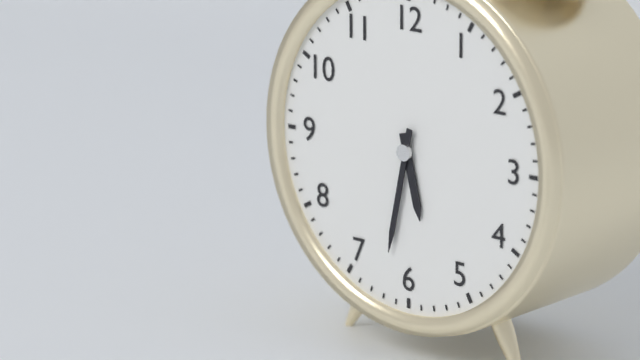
5:32
